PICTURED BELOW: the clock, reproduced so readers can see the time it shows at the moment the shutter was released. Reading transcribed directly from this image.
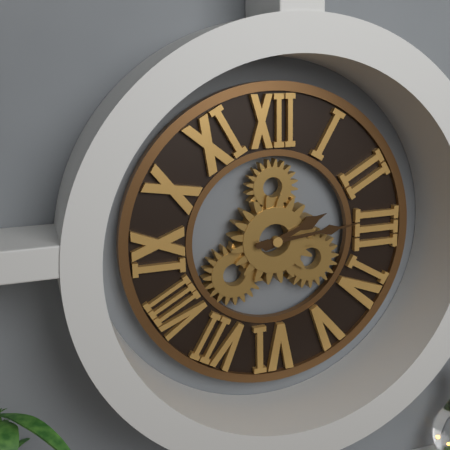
2:14
